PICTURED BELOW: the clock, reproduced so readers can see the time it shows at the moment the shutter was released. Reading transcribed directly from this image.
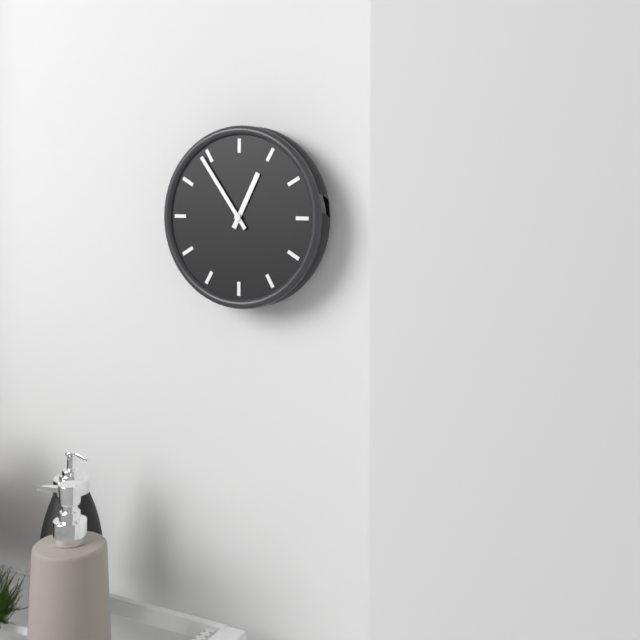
12:54
